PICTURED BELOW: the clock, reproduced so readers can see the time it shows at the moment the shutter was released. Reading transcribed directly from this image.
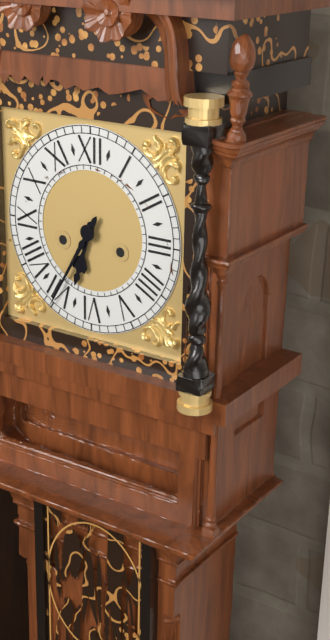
6:35
